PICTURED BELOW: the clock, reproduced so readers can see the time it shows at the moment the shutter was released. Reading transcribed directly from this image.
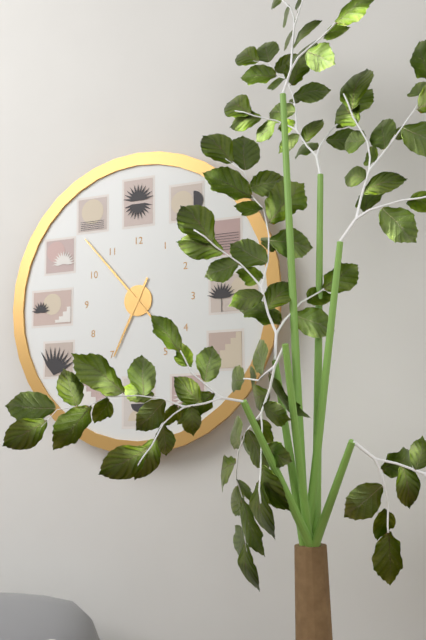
6:53
